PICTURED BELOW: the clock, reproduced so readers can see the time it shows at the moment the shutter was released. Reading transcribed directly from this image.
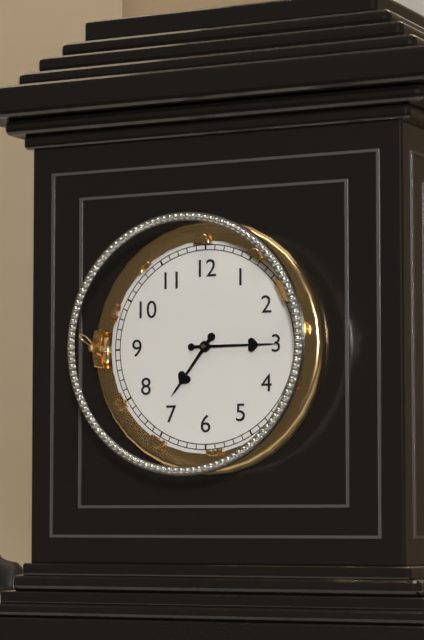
7:15
